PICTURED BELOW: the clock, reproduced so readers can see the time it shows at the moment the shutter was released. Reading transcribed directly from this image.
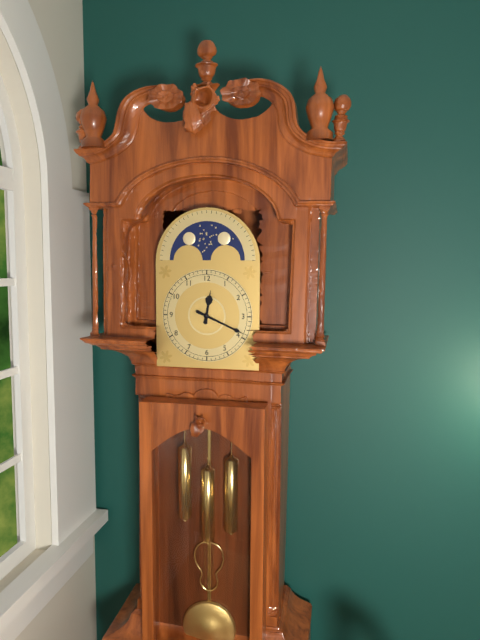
12:19
